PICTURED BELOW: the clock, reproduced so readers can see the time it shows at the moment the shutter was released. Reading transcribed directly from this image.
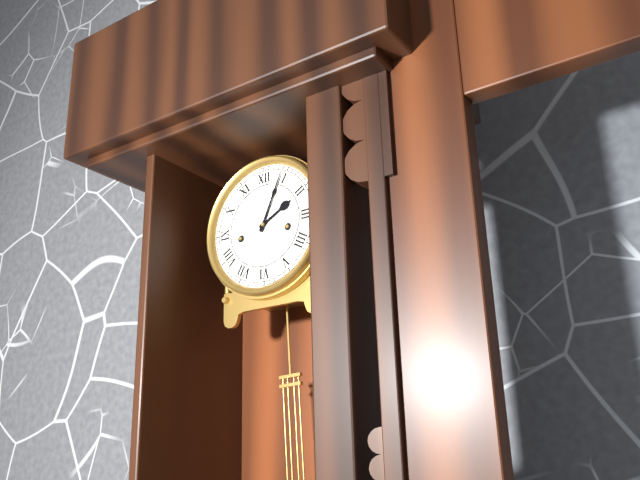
2:04
